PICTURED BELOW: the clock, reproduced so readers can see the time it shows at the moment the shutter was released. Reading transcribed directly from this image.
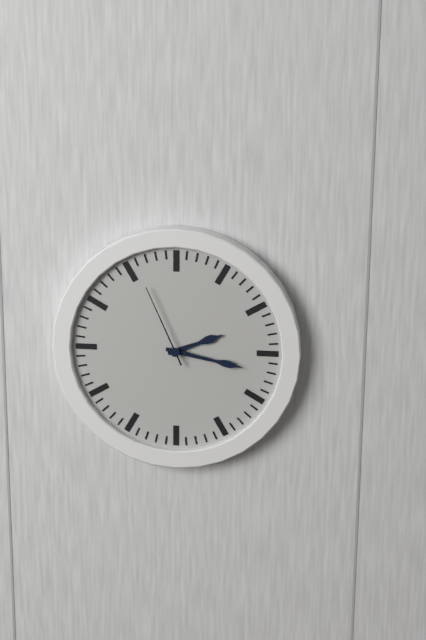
2:17:56
